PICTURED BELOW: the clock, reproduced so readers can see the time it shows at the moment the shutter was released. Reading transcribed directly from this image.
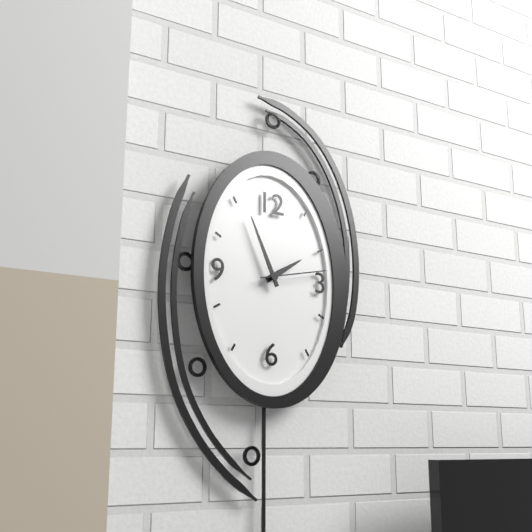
1:56:13
